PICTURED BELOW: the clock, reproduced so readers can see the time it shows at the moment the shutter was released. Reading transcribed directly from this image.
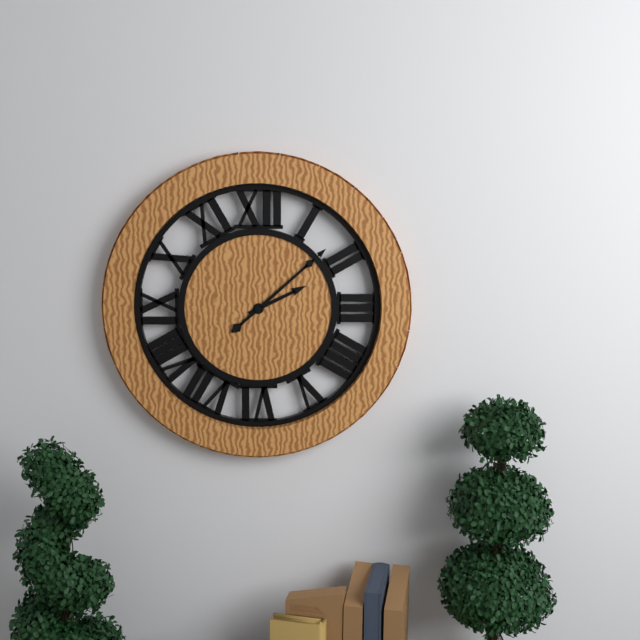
2:08
